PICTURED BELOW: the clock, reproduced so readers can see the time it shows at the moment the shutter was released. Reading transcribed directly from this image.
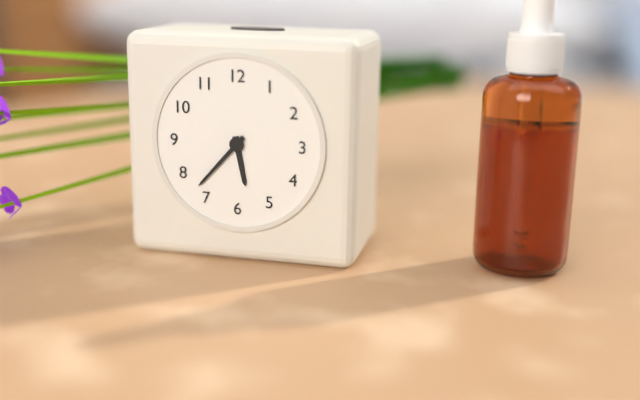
5:37
